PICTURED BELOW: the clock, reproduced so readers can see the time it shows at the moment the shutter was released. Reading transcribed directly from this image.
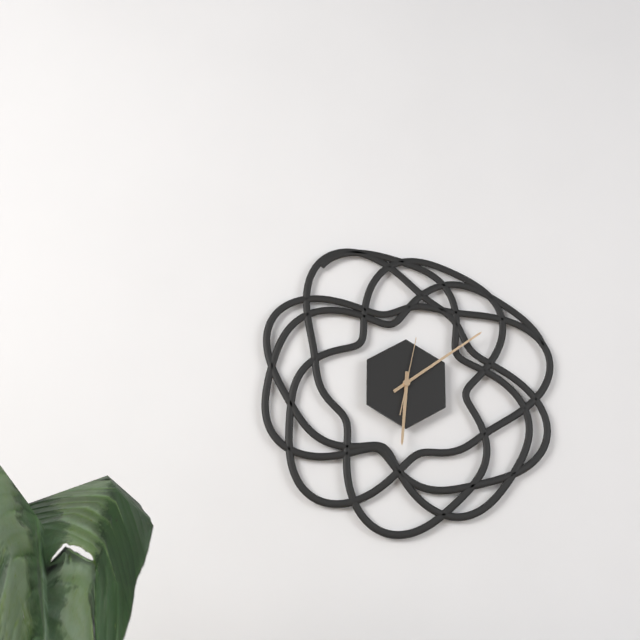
6:09:02
